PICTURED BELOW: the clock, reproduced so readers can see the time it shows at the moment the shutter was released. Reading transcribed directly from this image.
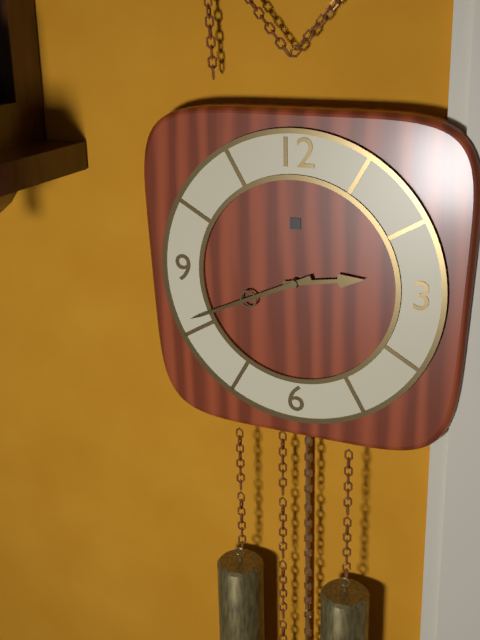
2:41
